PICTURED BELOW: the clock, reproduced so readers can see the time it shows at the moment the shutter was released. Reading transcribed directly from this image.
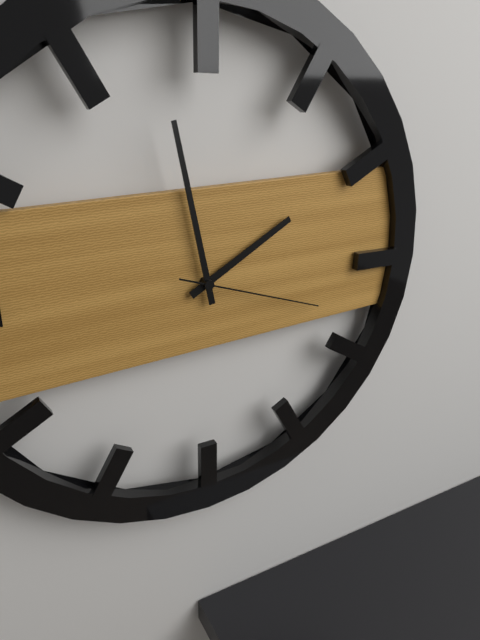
1:58:18
